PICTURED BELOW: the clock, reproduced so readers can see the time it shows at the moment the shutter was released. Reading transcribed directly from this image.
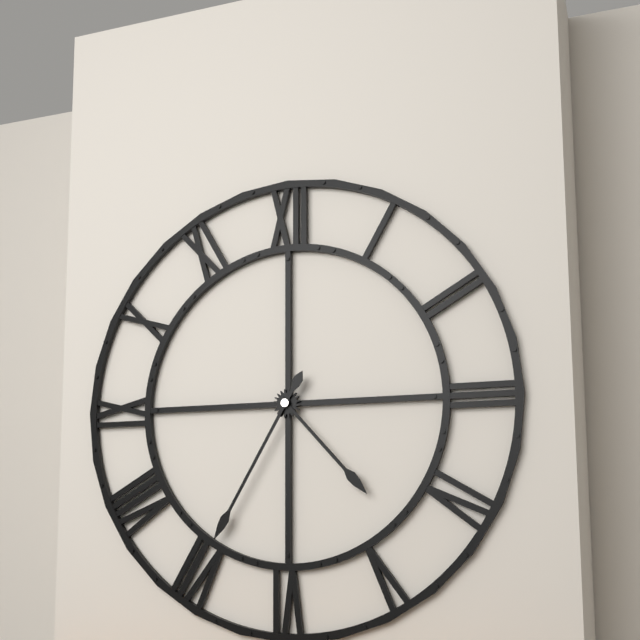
4:35
